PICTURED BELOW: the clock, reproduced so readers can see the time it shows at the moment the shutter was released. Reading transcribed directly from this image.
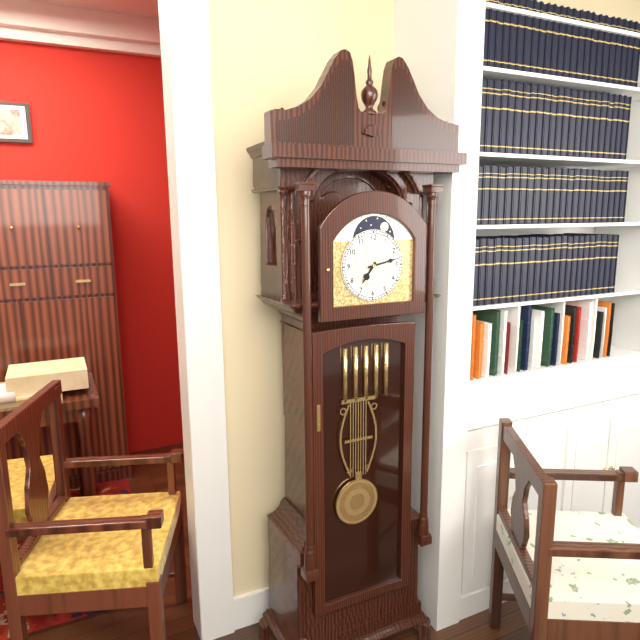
7:13
